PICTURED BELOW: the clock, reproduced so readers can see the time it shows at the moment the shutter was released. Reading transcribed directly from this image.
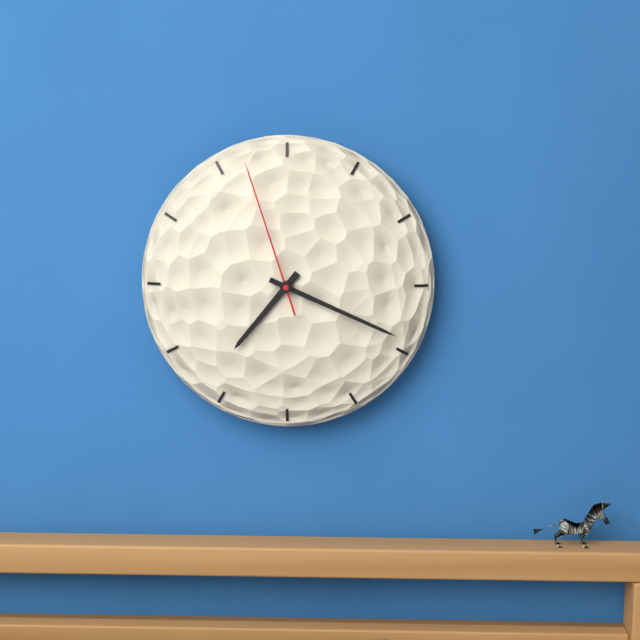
7:19:57
